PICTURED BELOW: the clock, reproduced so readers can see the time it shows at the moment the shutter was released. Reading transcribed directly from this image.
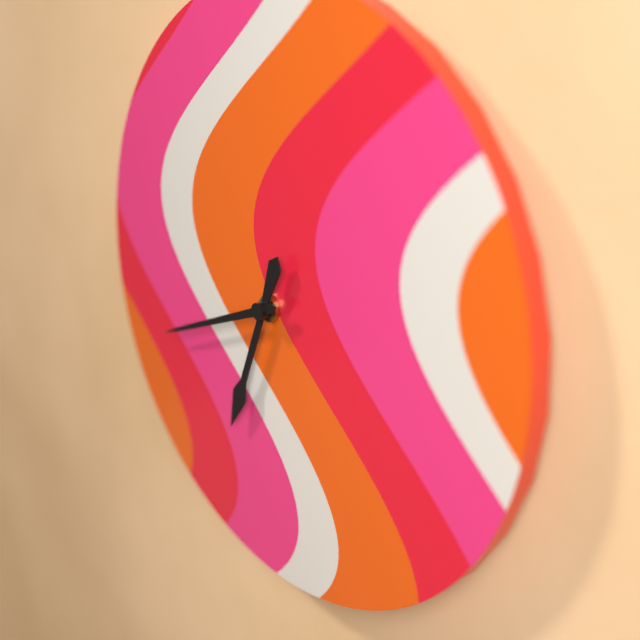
6:41
